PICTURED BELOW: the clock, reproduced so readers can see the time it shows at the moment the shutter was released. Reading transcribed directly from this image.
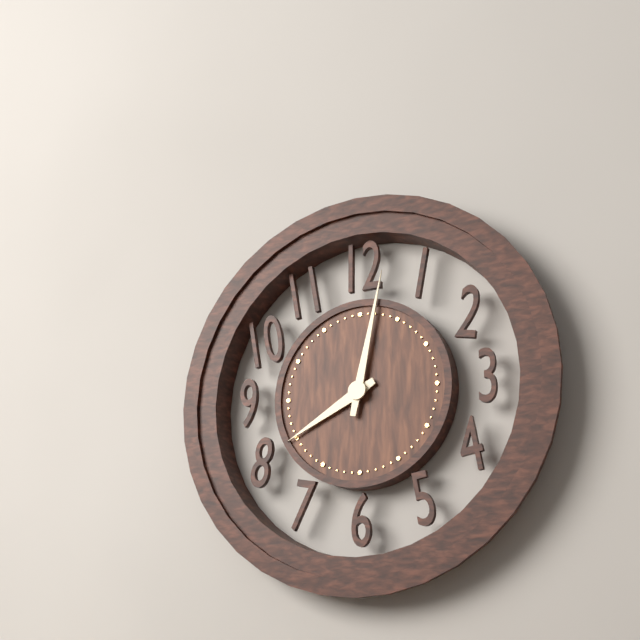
8:02
